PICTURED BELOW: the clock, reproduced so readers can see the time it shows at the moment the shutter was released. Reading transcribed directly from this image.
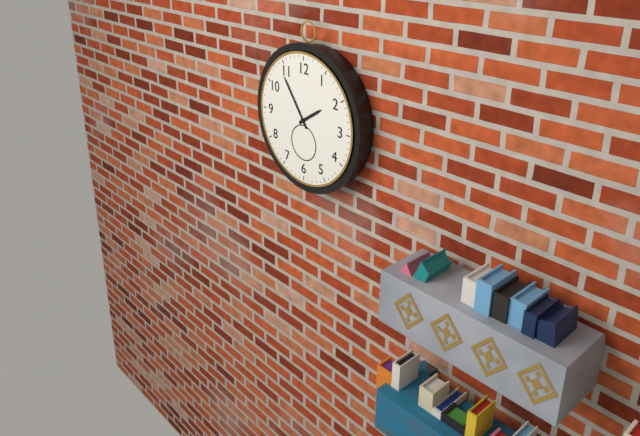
1:54
